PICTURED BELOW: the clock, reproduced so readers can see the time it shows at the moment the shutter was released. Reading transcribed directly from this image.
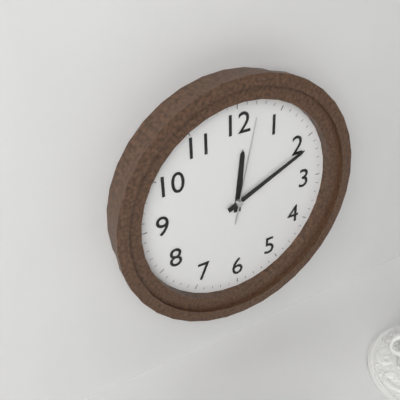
12:11:02
